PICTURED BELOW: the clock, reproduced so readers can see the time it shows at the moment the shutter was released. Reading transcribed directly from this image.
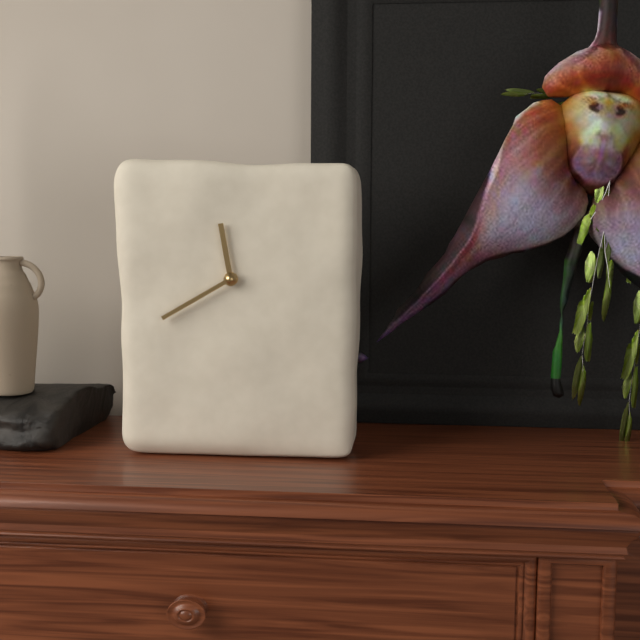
11:40
